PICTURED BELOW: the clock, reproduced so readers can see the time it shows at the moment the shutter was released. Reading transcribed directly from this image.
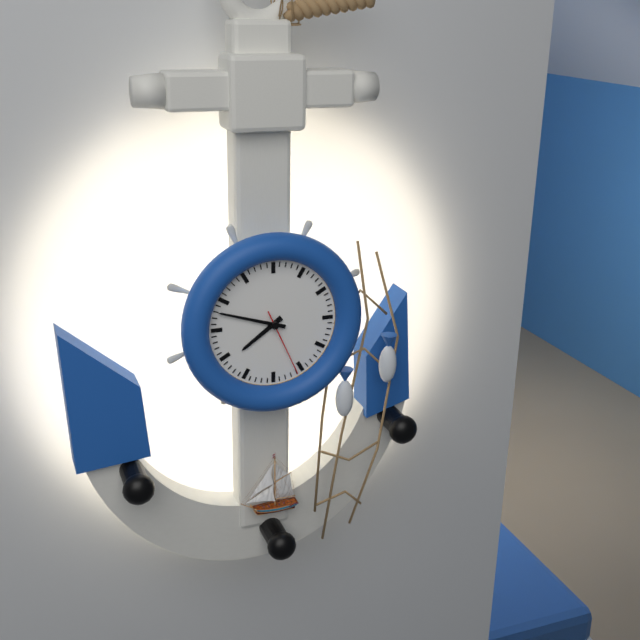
7:48:26
